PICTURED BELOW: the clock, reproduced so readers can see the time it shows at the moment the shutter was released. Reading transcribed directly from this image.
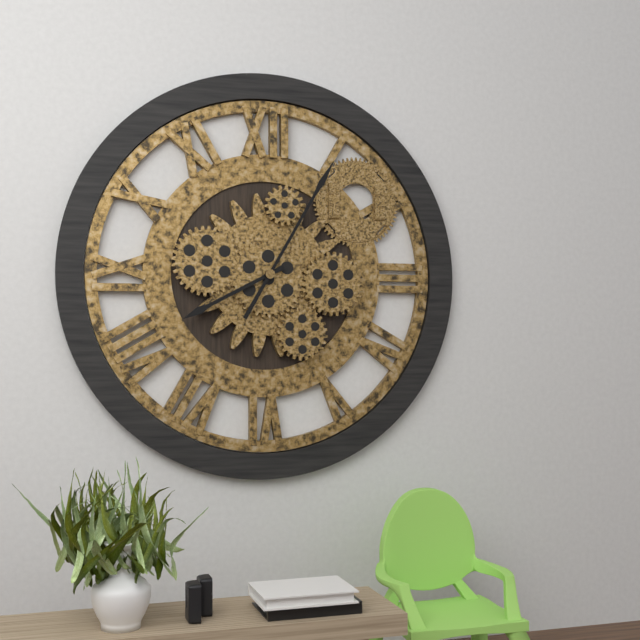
8:05
